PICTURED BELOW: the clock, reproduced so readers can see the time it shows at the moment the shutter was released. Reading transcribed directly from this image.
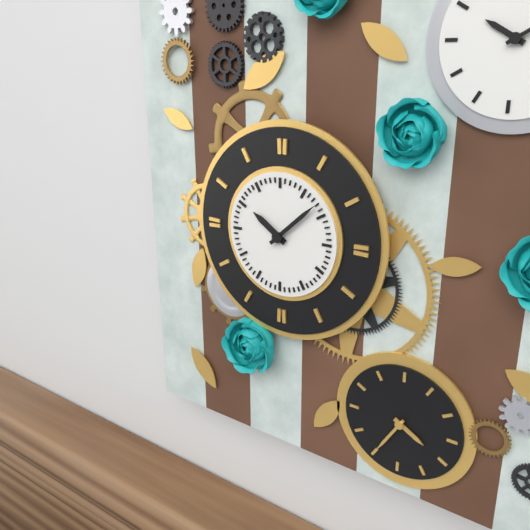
10:08
